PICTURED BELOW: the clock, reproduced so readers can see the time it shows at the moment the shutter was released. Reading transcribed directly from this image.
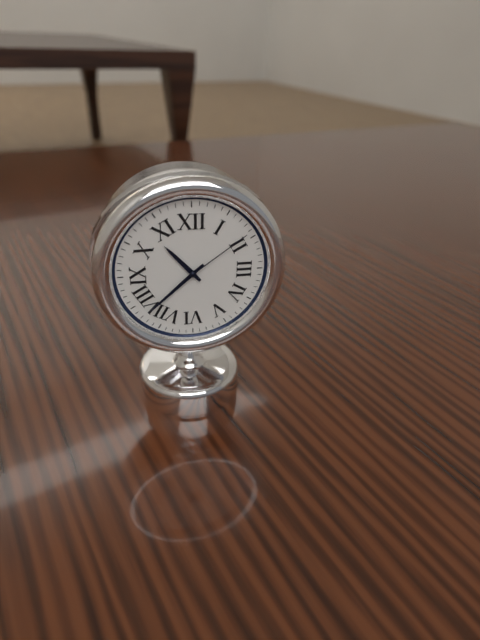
10:38:09
